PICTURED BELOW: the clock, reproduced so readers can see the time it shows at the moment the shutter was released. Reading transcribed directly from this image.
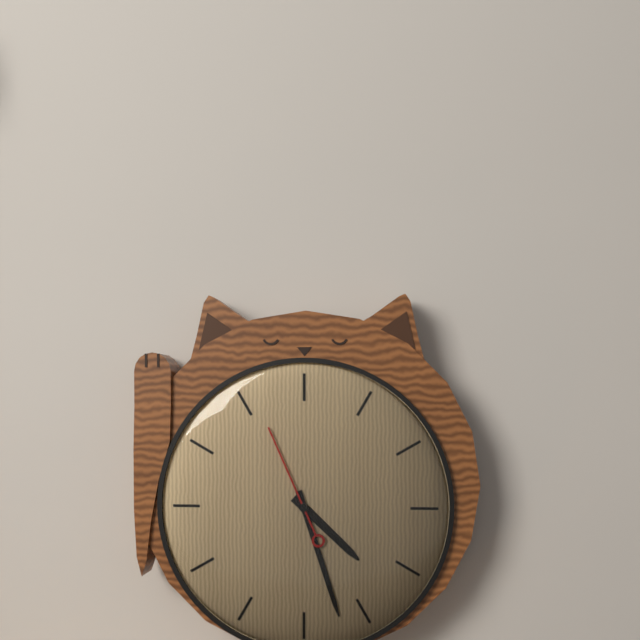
4:27:56
